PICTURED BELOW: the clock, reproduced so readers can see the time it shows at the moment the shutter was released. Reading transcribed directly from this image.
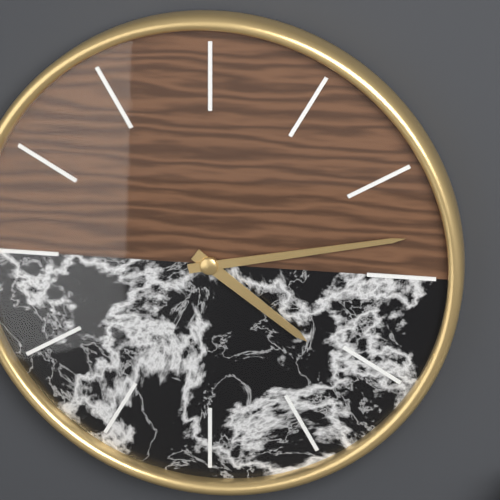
4:13
